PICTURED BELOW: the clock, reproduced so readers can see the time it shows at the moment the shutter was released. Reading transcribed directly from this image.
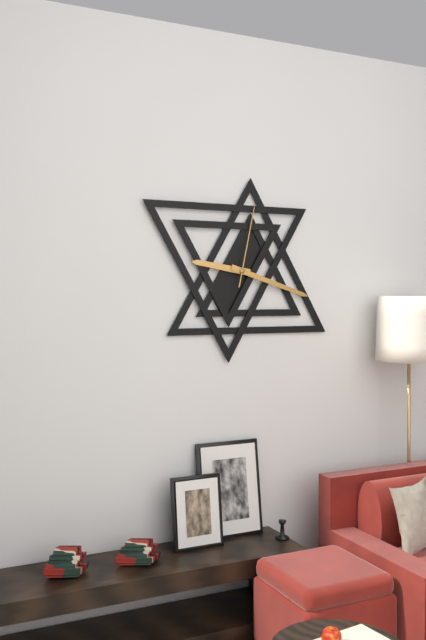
9:18:02
